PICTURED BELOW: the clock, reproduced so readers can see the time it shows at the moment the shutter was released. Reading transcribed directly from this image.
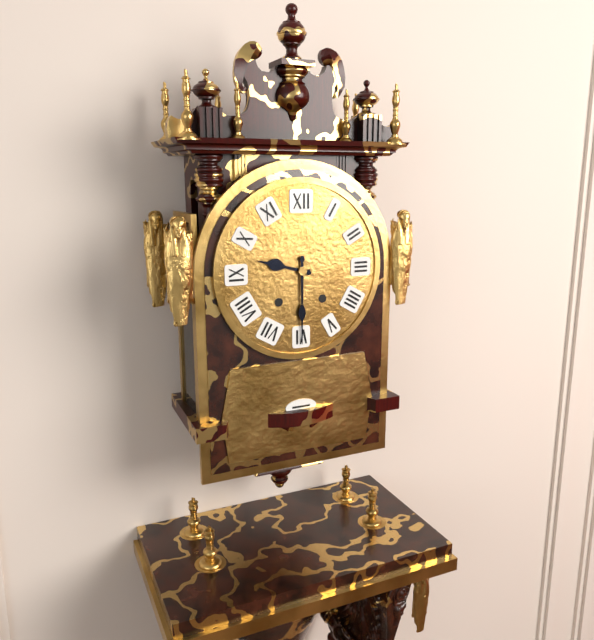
9:30
